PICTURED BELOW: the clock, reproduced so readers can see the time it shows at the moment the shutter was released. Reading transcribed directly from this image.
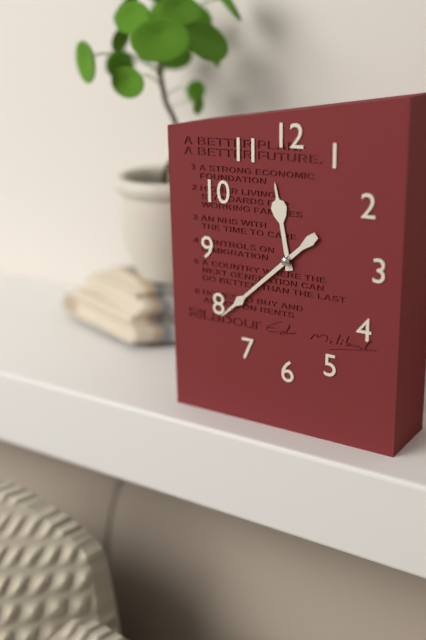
11:38
